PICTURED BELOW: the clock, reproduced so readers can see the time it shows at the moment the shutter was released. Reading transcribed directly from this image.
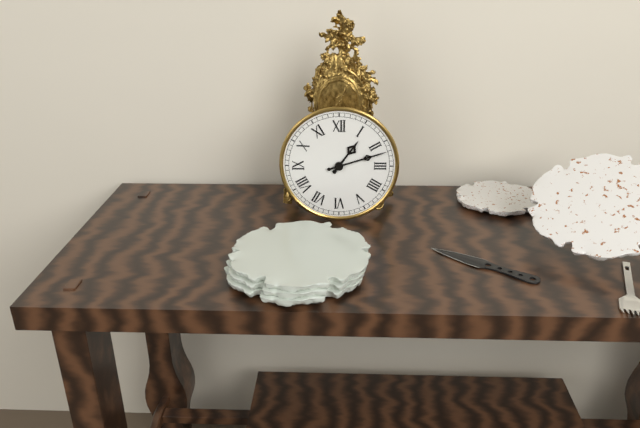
1:12
